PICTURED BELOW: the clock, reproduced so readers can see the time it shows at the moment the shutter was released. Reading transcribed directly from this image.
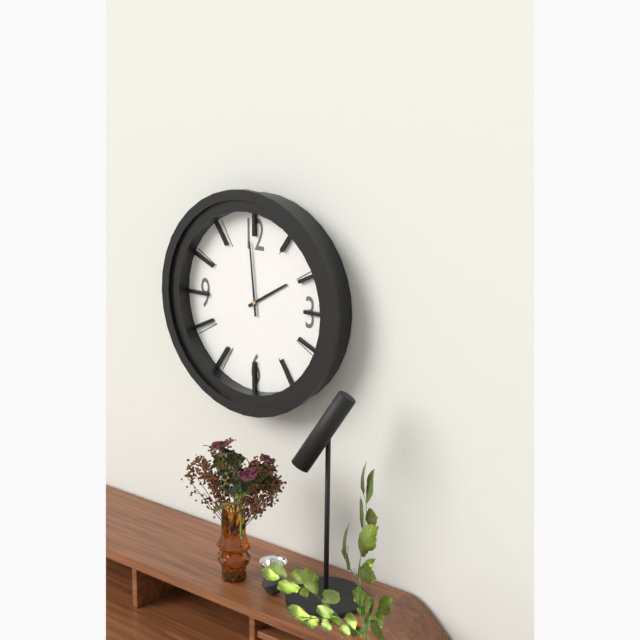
1:59
